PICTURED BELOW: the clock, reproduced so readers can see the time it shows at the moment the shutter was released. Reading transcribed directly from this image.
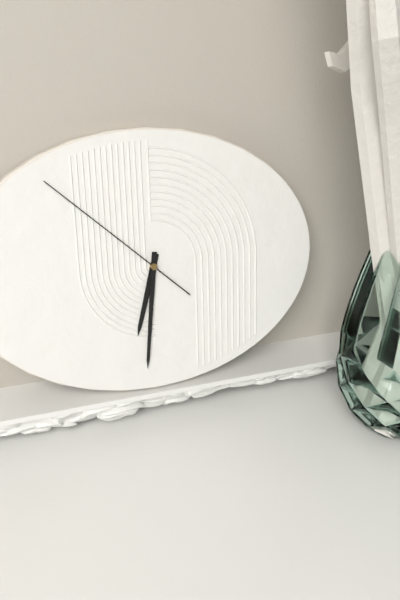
6:31:52
